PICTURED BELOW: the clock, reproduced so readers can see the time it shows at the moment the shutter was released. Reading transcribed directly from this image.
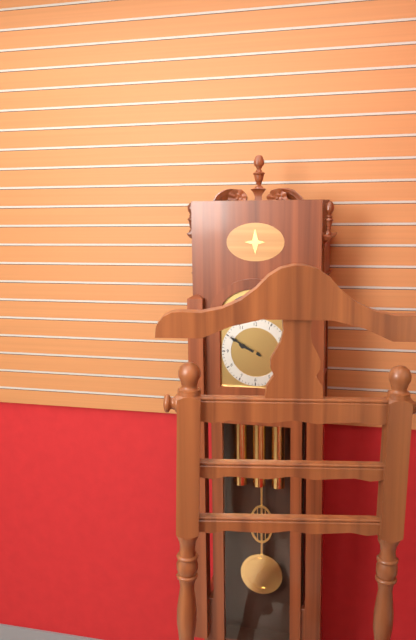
9:50
